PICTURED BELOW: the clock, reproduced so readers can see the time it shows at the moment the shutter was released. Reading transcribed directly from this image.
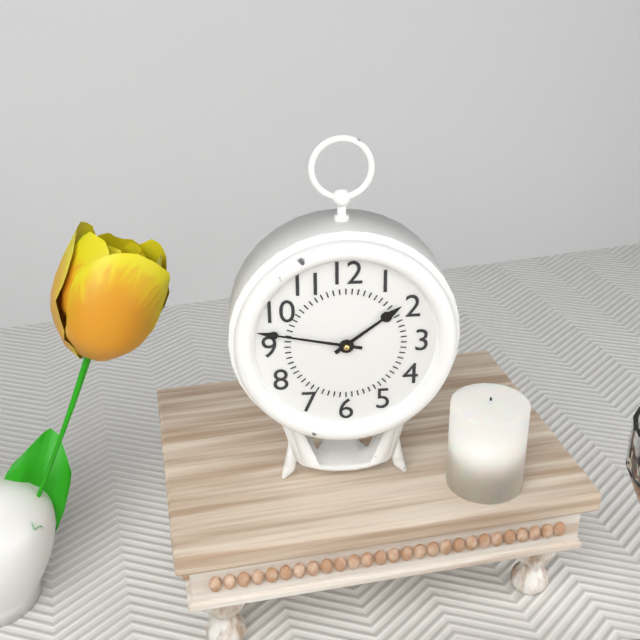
1:47
